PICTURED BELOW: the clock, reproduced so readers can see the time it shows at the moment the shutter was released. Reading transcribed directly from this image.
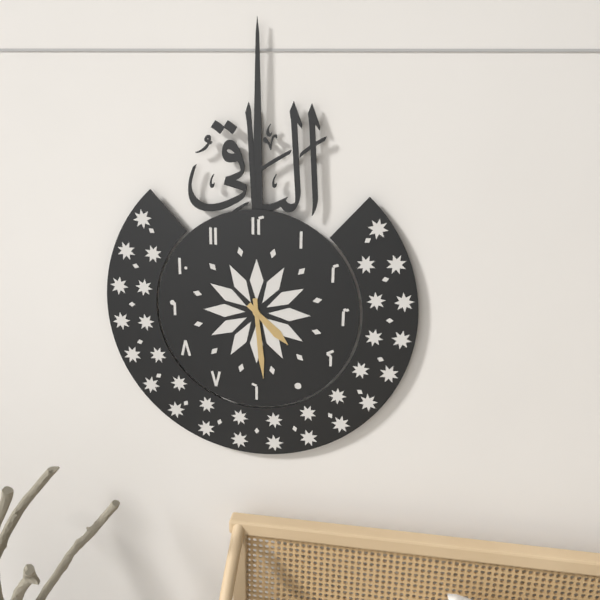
4:29
